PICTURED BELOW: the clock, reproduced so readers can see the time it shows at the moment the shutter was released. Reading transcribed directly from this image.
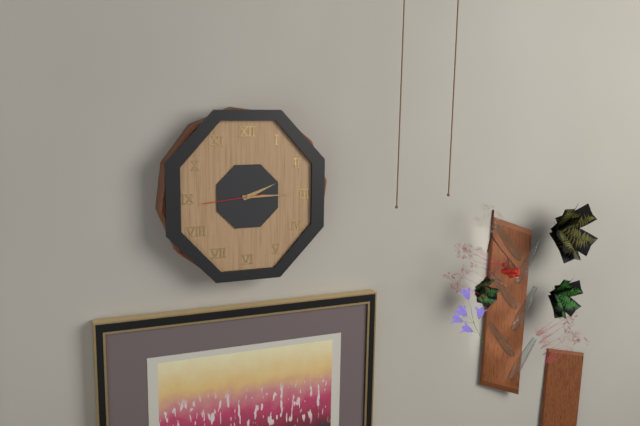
2:15
